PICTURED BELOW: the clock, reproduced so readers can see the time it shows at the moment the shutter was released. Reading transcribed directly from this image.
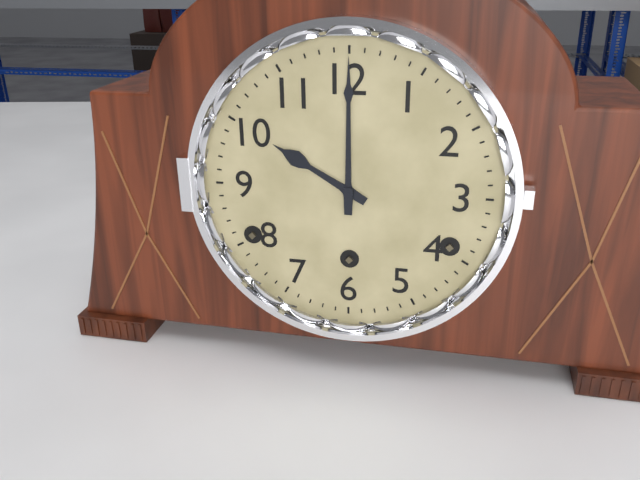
10:00
